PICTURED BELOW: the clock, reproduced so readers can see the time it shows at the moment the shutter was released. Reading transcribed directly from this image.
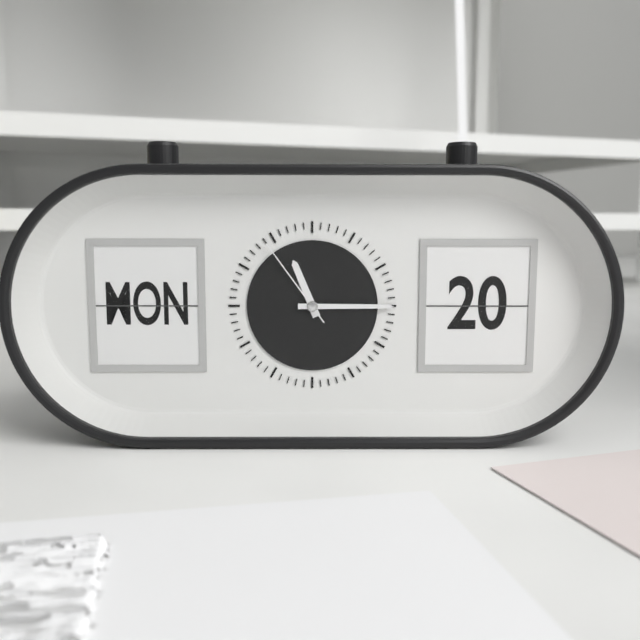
11:15:54
